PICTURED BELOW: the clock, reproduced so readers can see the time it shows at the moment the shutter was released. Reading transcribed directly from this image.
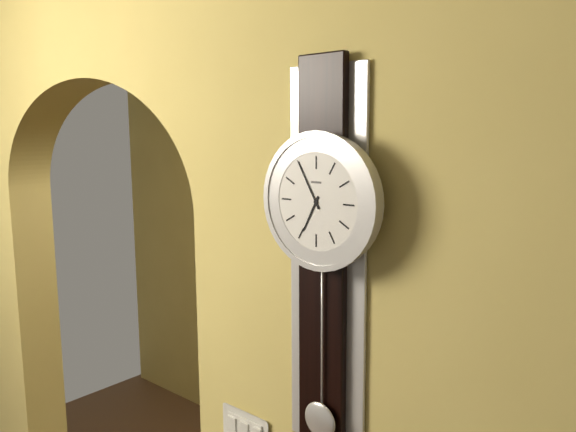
6:55
